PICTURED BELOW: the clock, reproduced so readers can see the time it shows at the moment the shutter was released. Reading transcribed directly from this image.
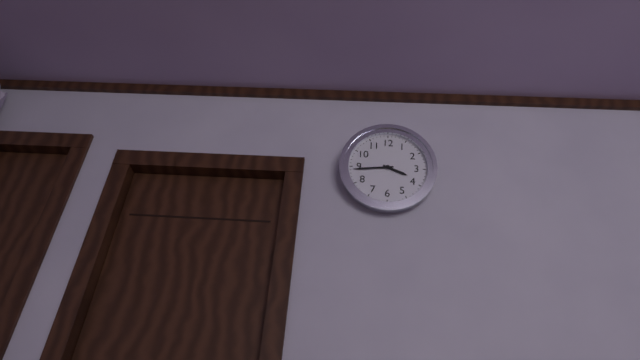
3:44
